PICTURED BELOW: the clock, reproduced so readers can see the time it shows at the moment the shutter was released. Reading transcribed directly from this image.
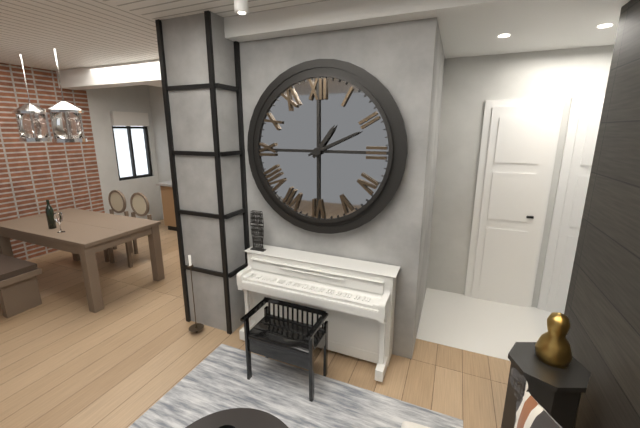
1:11
